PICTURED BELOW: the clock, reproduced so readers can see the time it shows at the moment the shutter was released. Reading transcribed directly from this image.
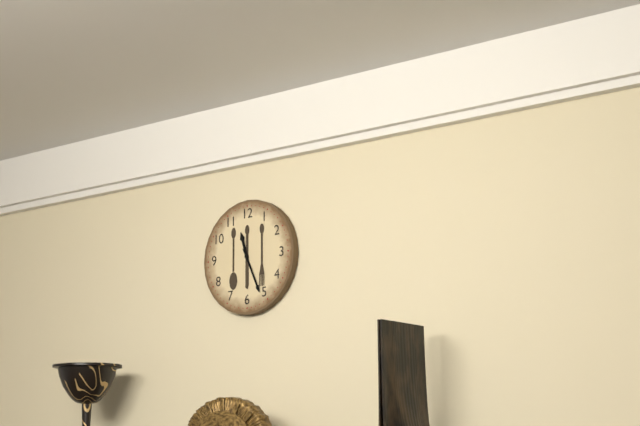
11:26
